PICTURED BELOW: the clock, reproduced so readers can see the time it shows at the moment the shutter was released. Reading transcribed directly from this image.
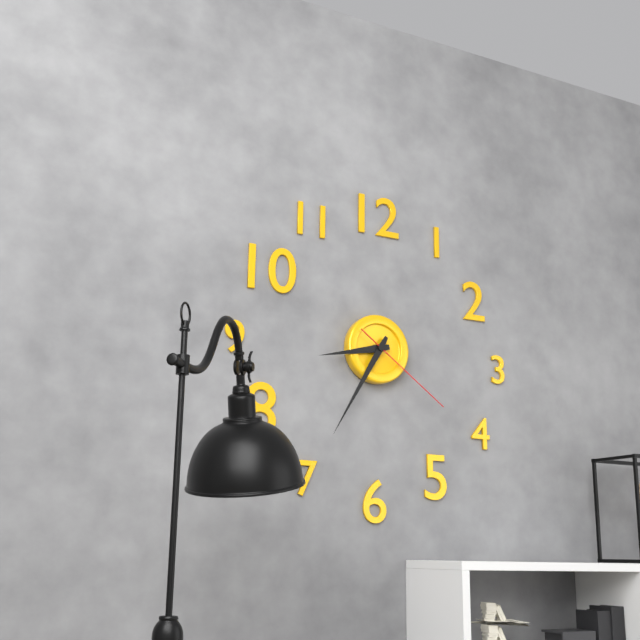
8:35:21
